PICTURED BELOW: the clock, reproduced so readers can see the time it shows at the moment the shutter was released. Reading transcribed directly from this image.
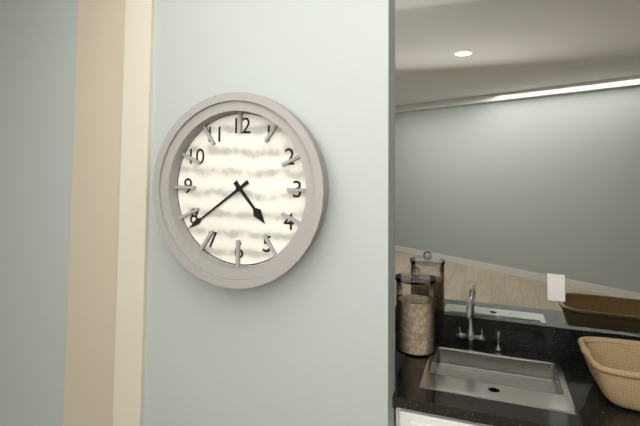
4:39
